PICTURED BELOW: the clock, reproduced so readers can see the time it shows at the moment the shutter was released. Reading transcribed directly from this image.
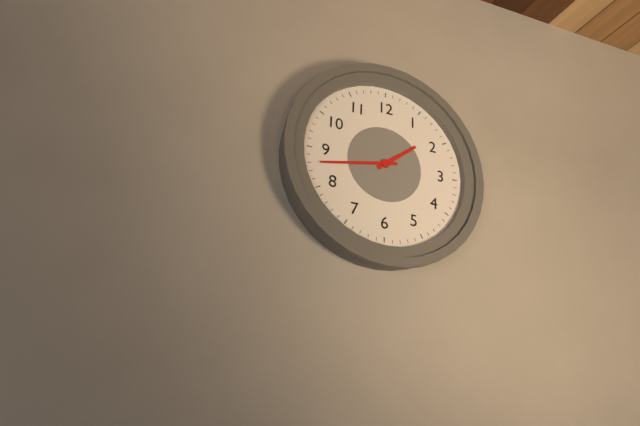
1:43
